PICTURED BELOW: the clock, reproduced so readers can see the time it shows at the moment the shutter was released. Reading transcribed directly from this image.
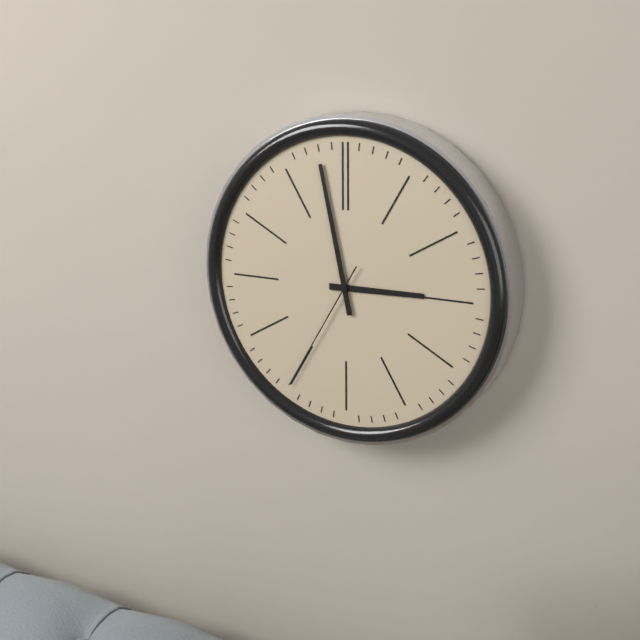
2:58:35
